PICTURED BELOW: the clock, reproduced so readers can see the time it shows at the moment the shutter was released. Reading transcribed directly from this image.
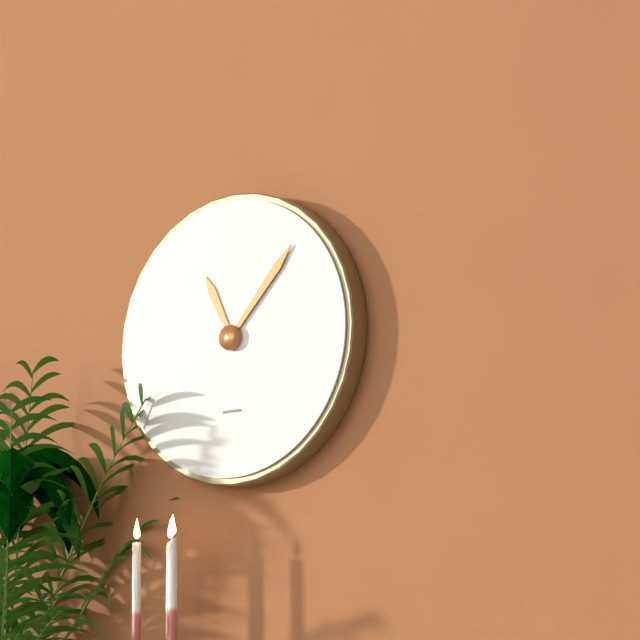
11:07
